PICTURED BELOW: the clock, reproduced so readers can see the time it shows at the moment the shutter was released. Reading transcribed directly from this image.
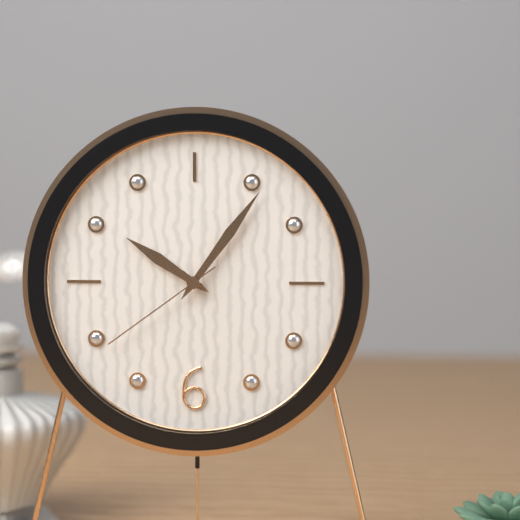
10:06:39
